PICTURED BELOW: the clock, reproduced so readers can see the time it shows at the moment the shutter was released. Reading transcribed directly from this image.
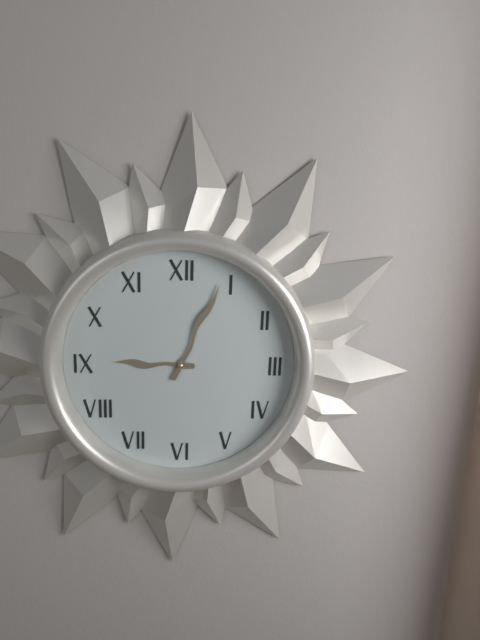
9:04
